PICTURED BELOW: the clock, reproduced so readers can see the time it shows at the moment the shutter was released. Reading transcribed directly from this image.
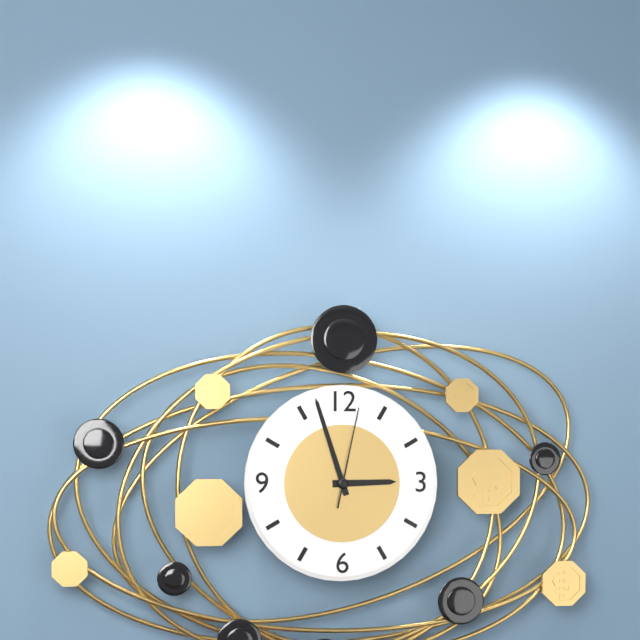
2:57:02
